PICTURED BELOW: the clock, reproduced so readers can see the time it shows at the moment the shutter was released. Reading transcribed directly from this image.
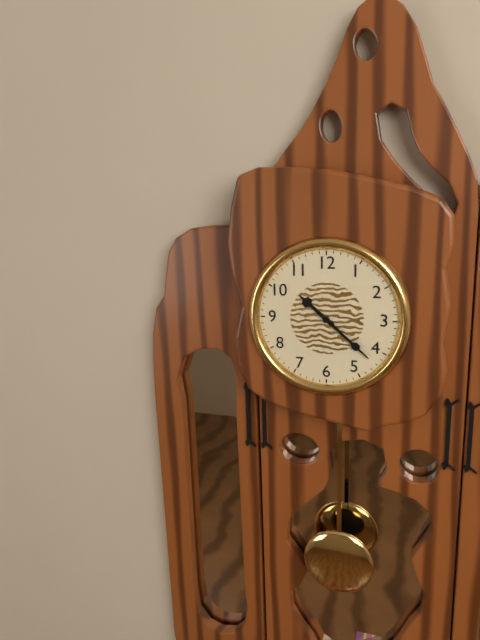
10:22
